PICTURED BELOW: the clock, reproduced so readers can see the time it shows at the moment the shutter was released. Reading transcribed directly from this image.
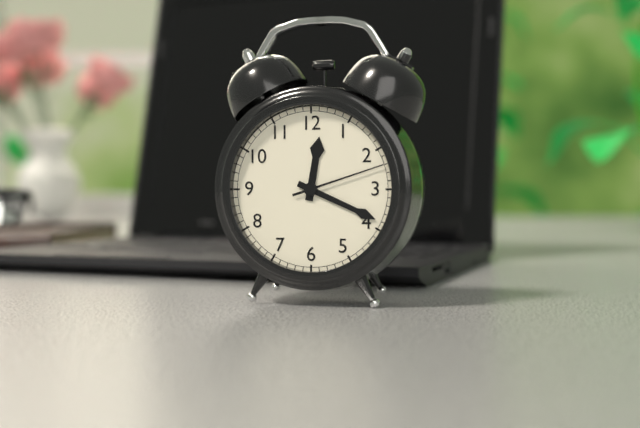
12:19:12
